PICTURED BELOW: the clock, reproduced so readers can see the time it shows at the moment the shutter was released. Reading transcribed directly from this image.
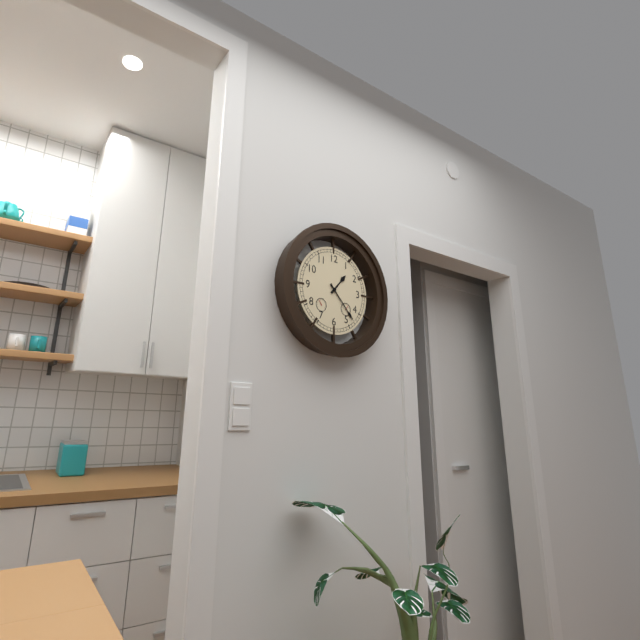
1:23
